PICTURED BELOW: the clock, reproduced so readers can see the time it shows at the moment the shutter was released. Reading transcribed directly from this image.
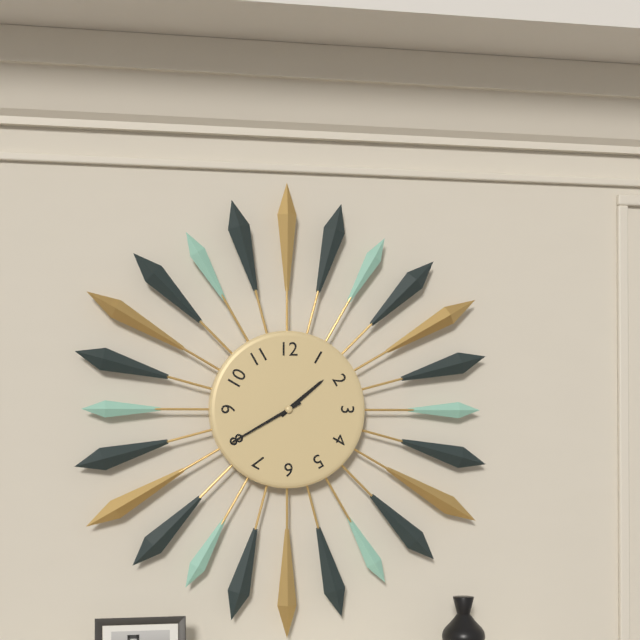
1:40
